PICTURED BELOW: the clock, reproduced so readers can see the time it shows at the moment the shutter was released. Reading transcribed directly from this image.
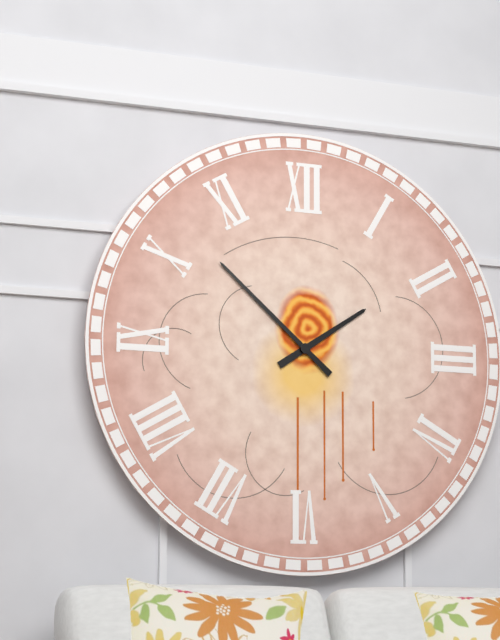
1:52
